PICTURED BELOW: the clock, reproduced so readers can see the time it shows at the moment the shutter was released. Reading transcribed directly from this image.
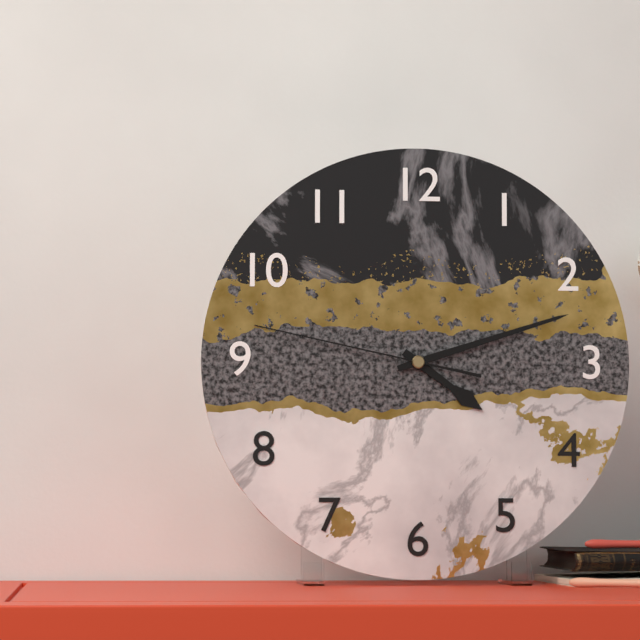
4:12:47
